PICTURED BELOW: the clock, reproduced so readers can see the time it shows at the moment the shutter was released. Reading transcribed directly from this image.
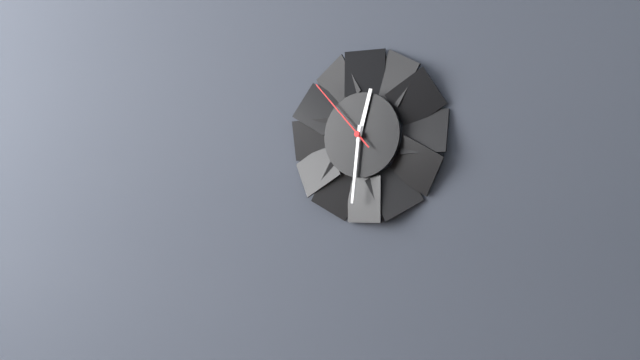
12:31:53
